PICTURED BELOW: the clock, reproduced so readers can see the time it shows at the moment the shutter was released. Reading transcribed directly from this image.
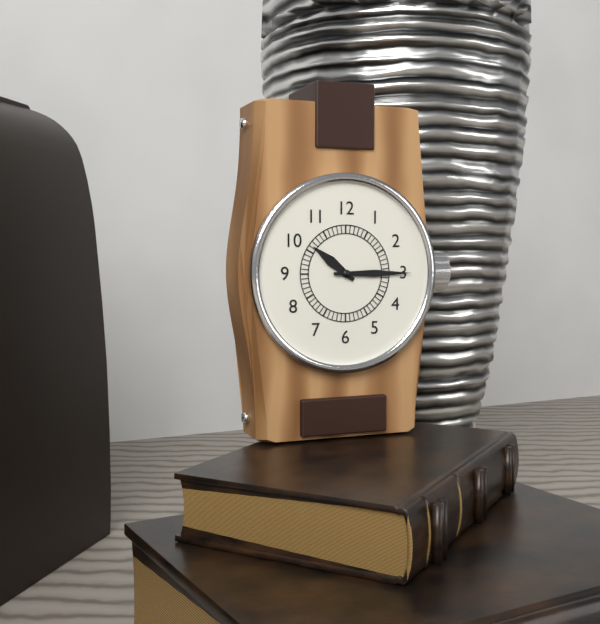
10:15
